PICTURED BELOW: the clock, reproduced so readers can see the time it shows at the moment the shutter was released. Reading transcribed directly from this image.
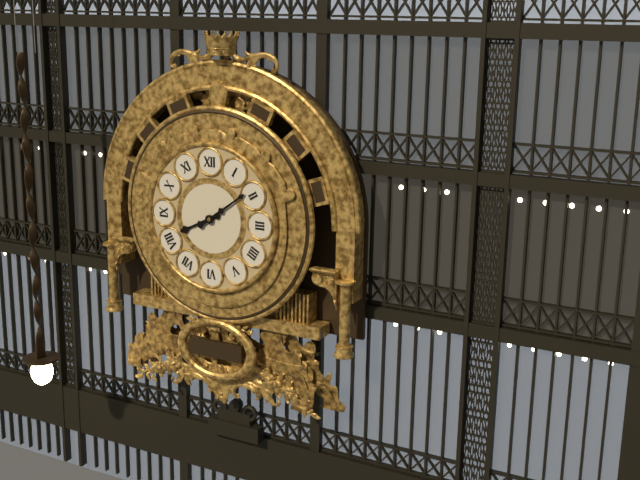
8:09
